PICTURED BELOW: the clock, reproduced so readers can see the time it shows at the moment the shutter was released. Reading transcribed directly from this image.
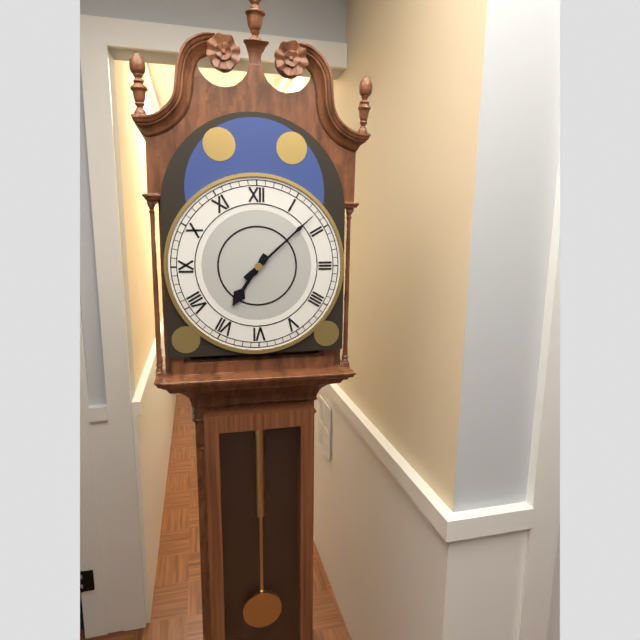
7:08
